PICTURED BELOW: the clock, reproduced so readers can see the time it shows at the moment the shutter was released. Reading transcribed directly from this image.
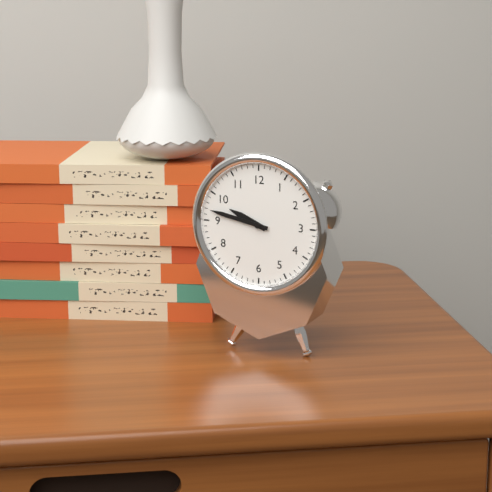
9:47
